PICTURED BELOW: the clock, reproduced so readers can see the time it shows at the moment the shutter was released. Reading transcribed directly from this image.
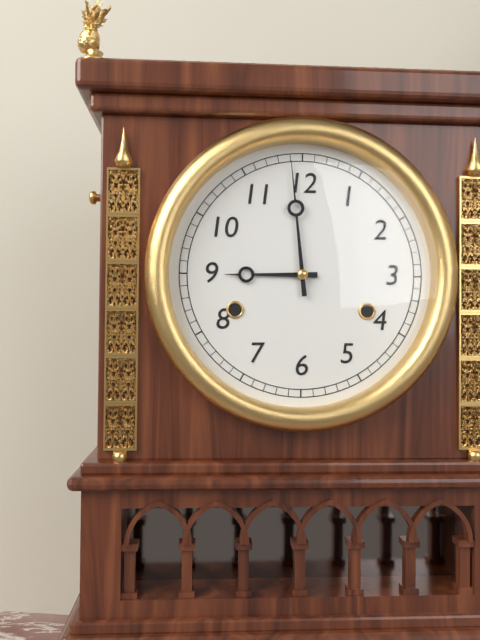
8:59
